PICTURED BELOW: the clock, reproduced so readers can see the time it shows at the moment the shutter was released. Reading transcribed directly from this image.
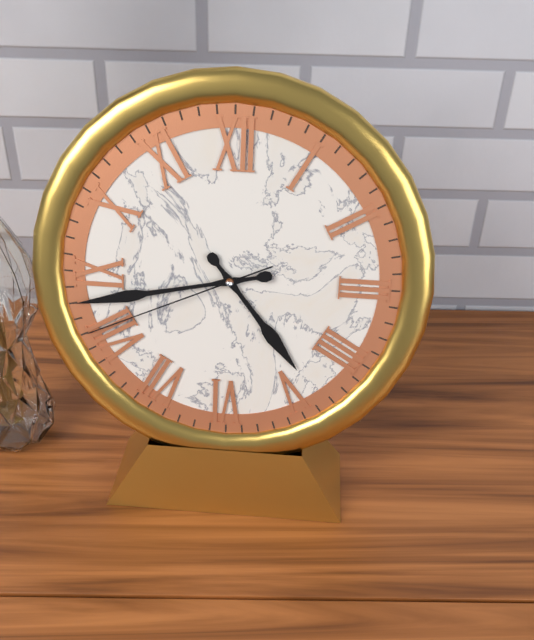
4:43:41
